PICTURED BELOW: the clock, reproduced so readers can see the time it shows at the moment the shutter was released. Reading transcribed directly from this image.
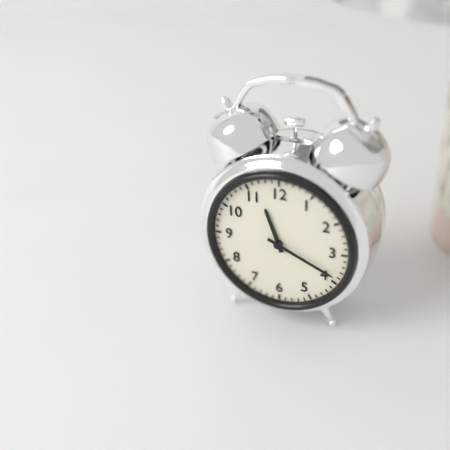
11:19
